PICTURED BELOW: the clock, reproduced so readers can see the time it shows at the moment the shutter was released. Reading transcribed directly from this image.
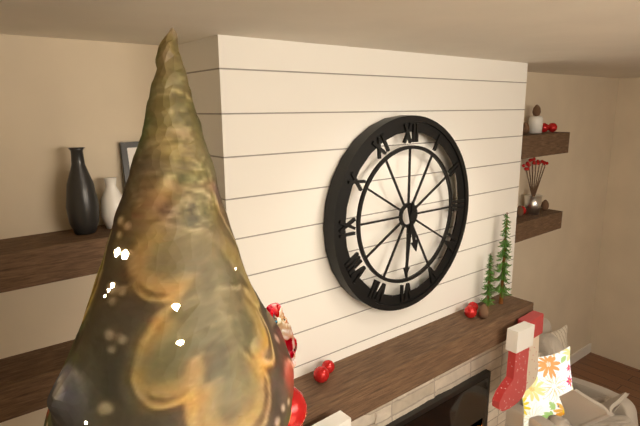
5:31
